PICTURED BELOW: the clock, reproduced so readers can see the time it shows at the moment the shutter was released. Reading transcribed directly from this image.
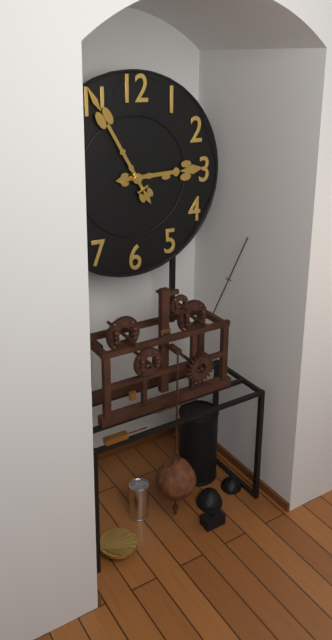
2:55
